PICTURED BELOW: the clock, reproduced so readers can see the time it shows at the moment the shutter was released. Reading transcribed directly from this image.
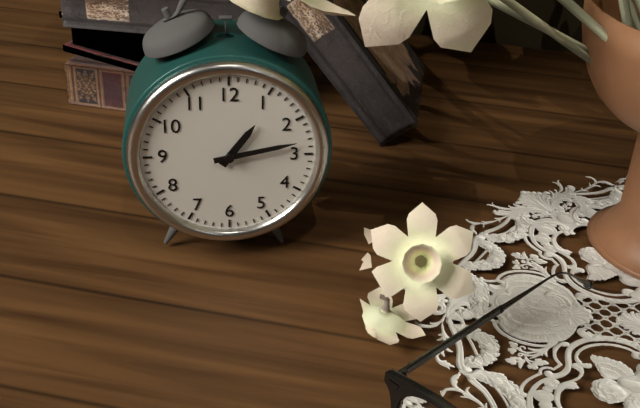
1:13
